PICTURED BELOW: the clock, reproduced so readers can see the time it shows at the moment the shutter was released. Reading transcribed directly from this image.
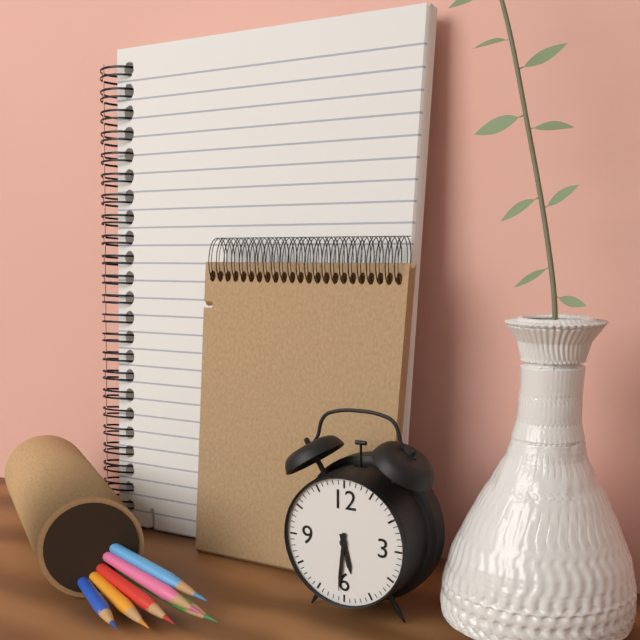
5:31
